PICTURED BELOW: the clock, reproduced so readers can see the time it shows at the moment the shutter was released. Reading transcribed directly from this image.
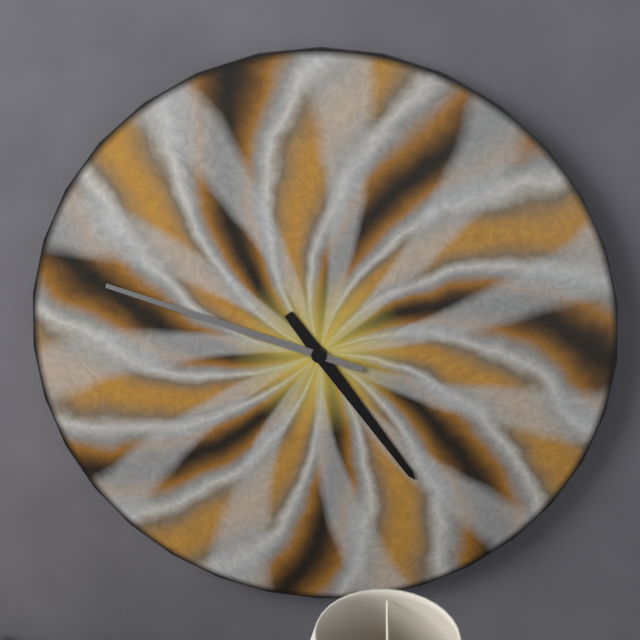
4:48
